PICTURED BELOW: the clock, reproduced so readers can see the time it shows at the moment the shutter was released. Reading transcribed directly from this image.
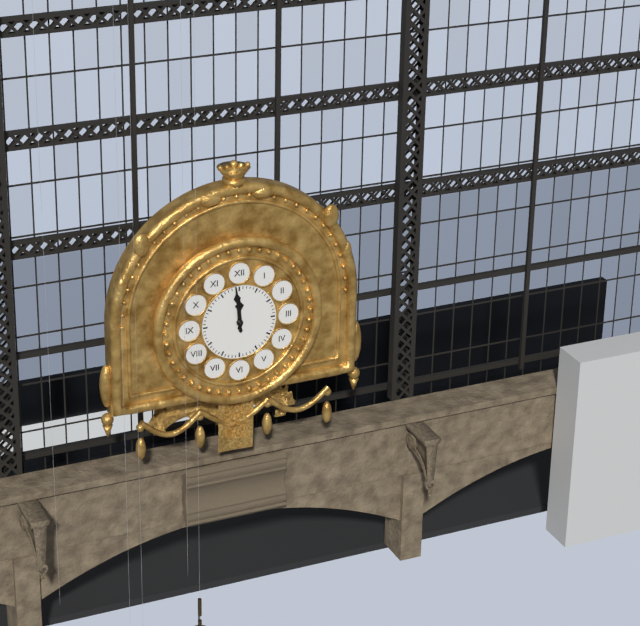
11:59
